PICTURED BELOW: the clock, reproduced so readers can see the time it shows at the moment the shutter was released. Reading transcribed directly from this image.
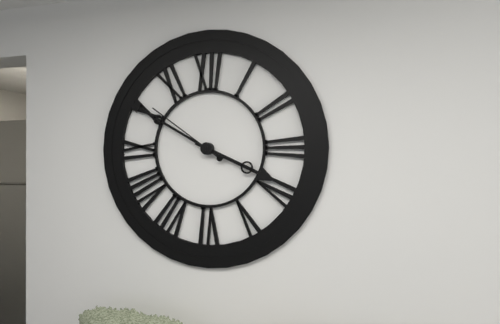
3:50:51
